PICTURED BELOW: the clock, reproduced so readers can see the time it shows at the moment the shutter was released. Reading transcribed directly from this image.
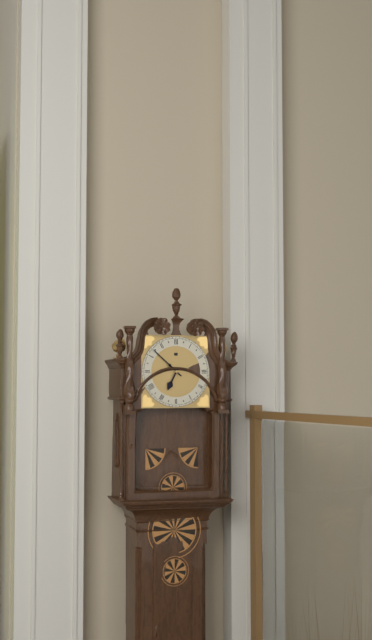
6:52
